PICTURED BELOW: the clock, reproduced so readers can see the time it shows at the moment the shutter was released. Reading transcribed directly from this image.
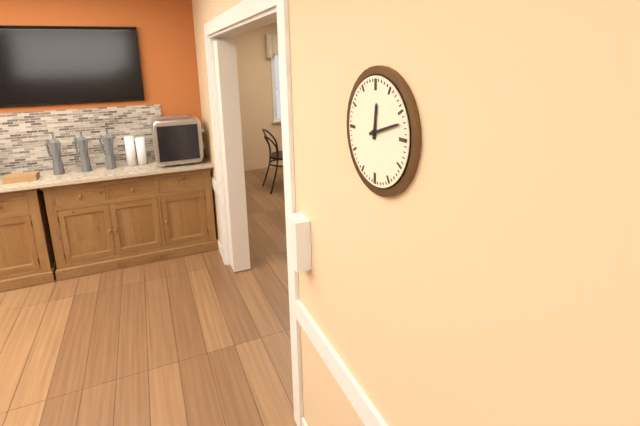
12:12
